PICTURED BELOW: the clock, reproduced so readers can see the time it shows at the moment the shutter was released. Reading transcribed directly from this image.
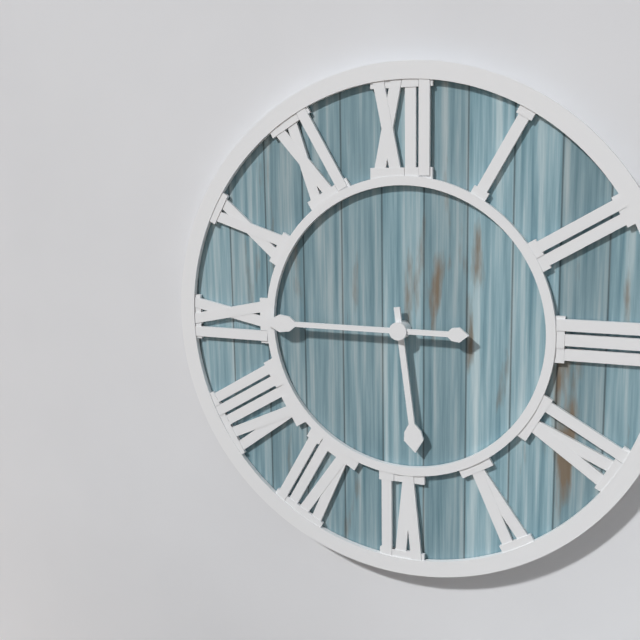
5:45
